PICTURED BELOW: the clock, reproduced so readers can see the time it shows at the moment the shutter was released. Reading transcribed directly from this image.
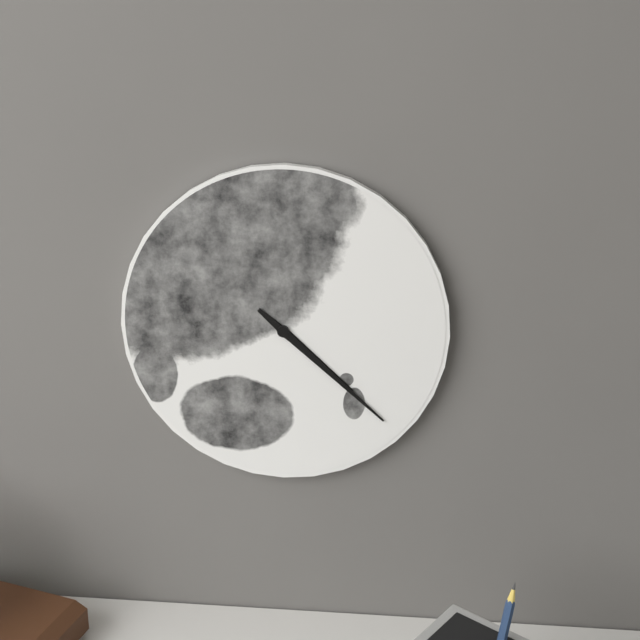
4:22
